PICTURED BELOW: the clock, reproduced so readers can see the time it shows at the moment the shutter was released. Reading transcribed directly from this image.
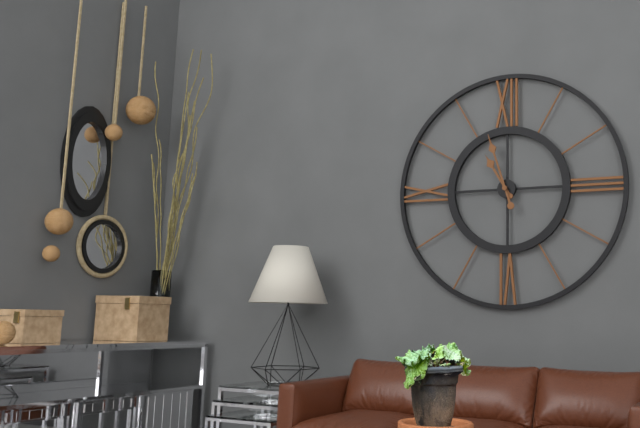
10:57
